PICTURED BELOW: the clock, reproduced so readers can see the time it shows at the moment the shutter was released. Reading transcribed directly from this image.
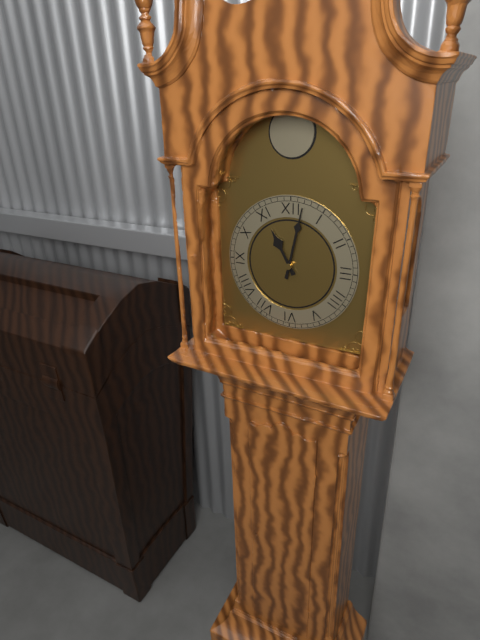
11:02
